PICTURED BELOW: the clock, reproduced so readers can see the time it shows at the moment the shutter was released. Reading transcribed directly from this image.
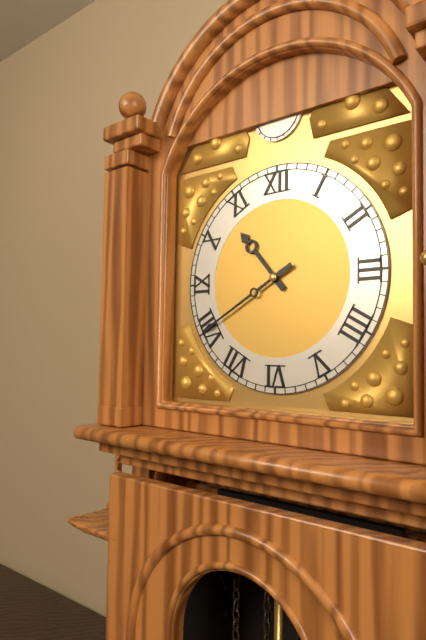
10:40
